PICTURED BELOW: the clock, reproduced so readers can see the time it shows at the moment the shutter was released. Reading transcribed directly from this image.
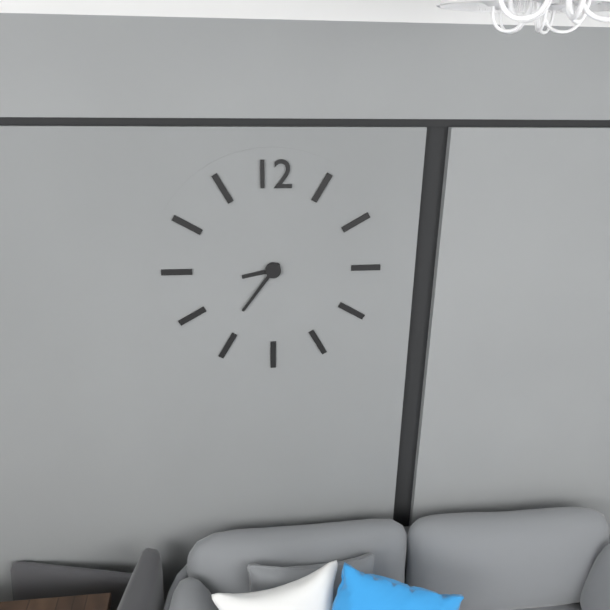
8:36
